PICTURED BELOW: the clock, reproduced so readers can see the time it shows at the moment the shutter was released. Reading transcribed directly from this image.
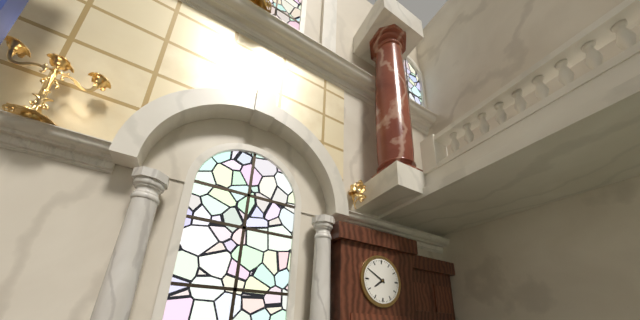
7:50
